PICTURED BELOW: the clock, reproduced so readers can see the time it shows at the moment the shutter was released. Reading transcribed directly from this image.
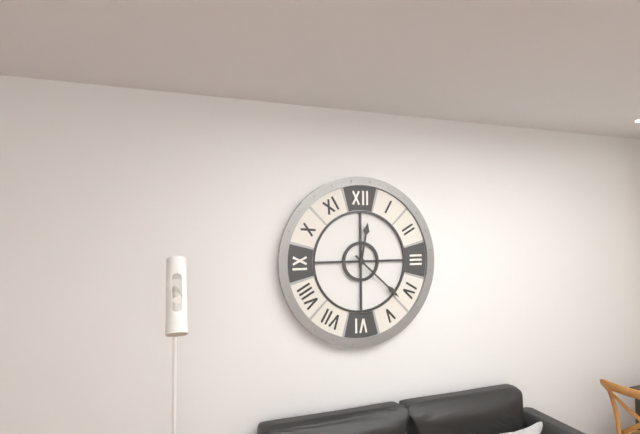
12:22
